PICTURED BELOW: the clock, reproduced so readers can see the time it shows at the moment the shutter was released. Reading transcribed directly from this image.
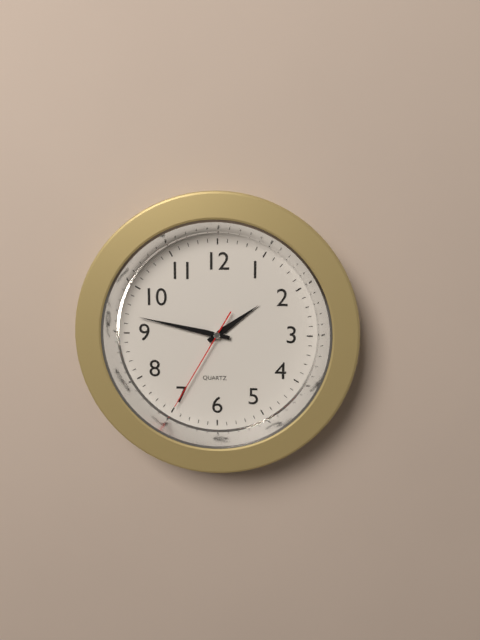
1:47:35
